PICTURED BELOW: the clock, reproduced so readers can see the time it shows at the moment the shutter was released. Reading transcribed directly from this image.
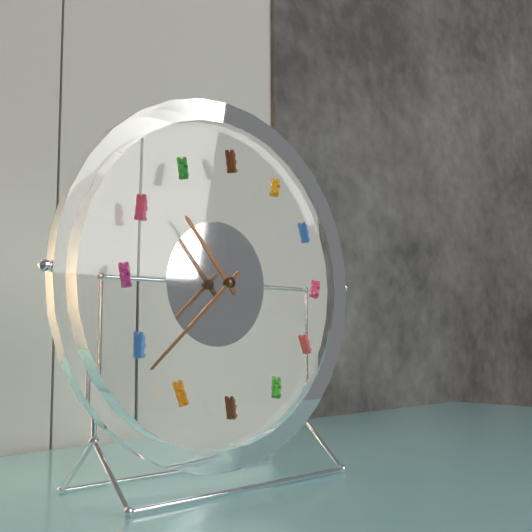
10:38
